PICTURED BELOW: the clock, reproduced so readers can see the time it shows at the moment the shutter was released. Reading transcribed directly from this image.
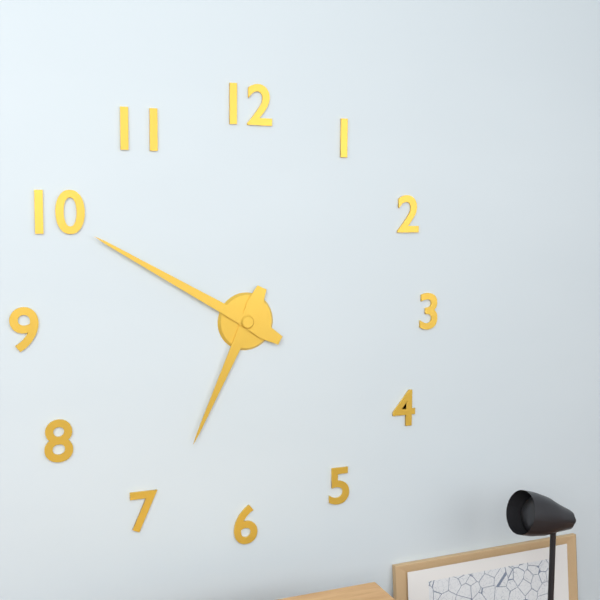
6:50
